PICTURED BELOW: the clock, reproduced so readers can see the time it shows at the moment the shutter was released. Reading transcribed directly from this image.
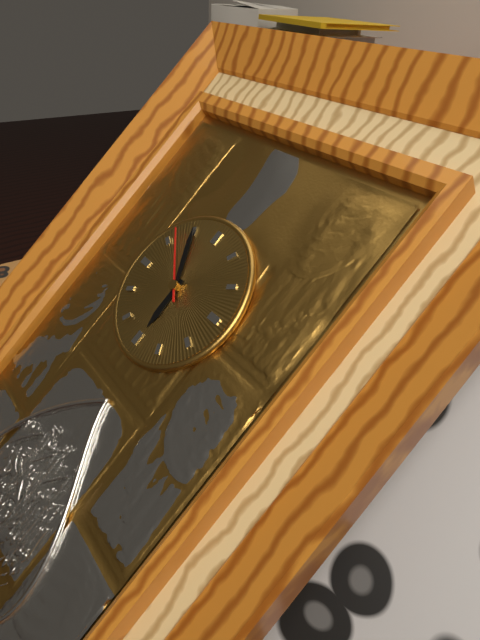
5:55:52
